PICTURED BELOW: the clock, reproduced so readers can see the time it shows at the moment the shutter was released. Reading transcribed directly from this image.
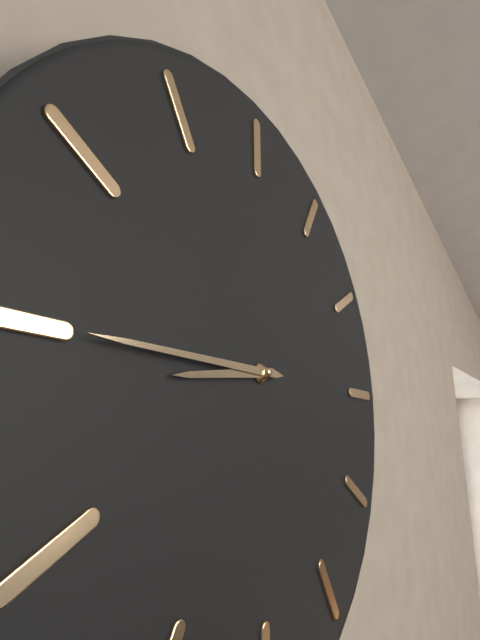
8:45
